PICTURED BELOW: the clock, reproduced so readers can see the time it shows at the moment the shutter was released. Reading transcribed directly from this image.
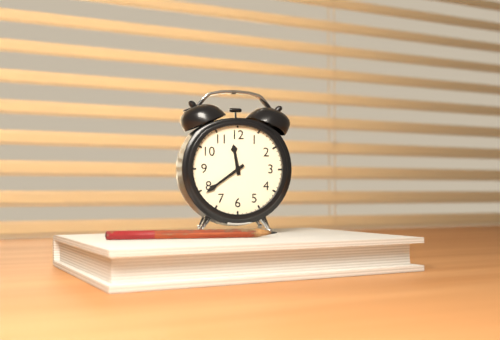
11:39
